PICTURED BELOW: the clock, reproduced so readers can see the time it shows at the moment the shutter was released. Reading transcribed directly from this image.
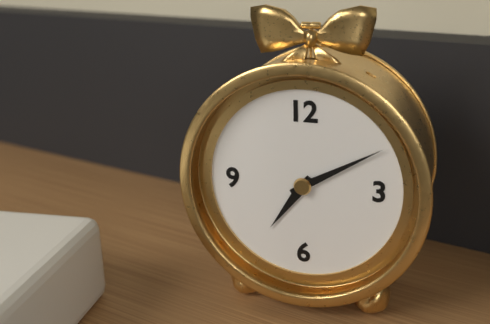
7:10
